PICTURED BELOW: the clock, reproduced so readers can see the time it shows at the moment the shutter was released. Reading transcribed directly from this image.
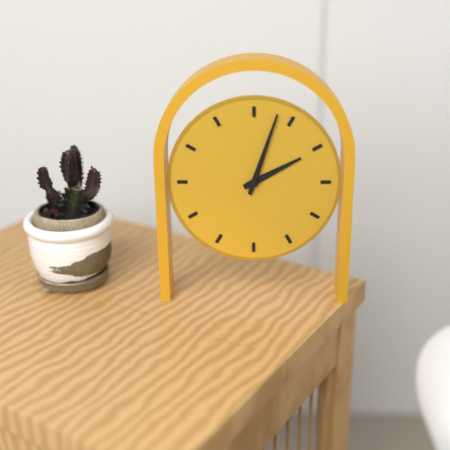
2:03
